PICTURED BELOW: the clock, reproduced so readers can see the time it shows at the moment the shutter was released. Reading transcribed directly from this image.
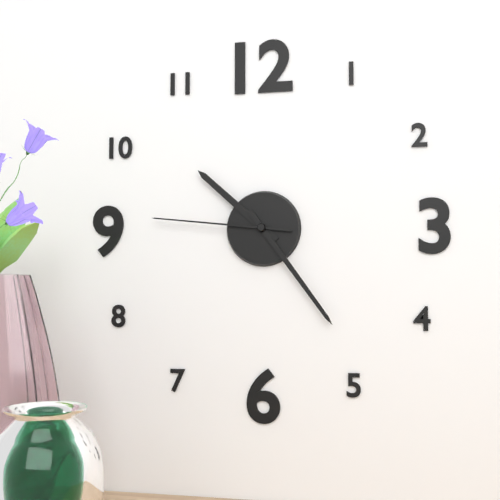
10:24:46
